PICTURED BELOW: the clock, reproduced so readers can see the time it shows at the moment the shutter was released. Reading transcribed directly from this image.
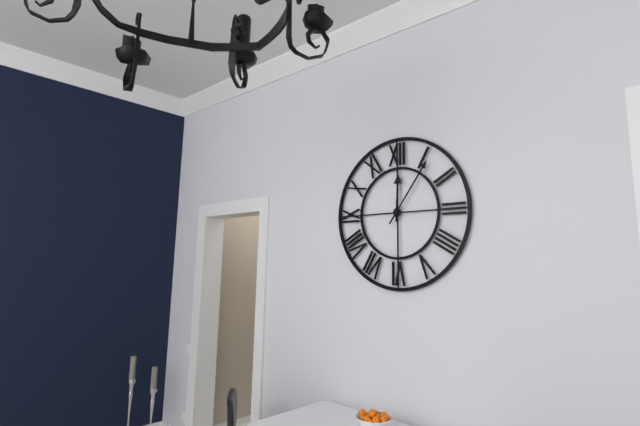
12:06
